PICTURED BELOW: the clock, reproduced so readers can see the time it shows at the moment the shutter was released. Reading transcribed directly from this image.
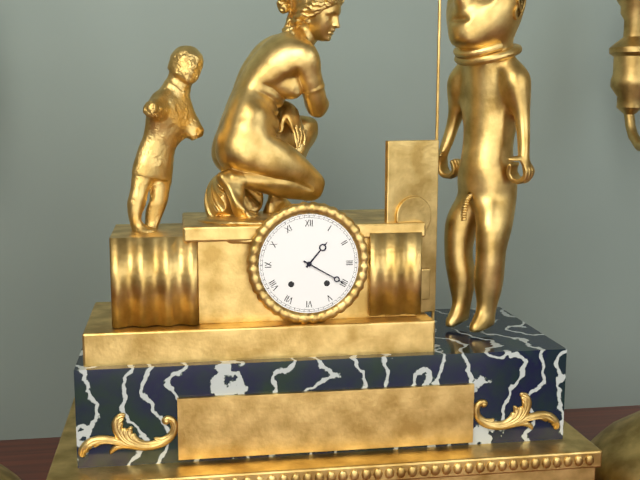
1:20
